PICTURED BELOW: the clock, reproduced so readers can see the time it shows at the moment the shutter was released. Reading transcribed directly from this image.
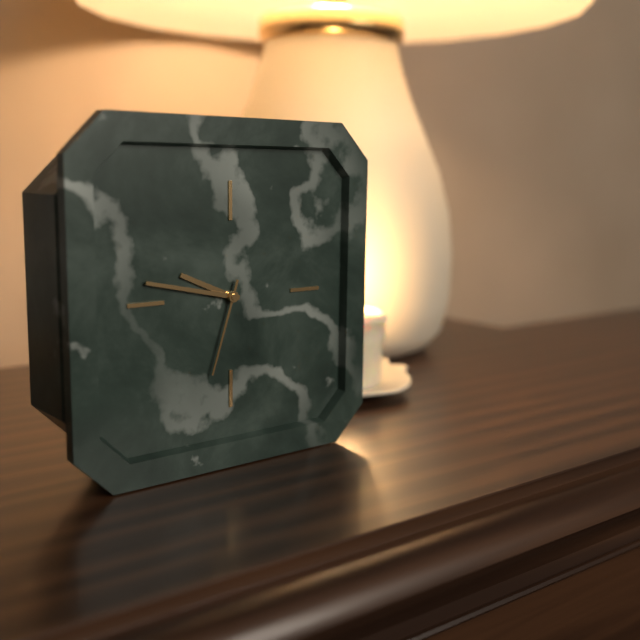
9:47:33
